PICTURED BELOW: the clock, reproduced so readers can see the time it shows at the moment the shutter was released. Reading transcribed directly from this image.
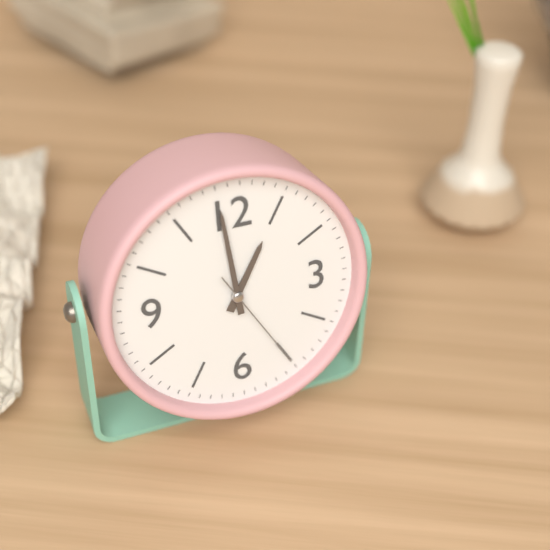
12:59:25
